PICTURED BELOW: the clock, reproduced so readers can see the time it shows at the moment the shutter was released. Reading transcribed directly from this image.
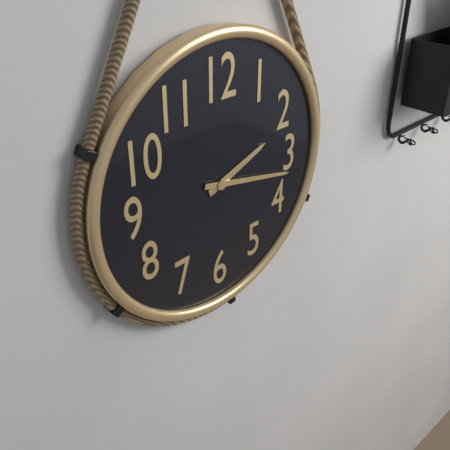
2:17
